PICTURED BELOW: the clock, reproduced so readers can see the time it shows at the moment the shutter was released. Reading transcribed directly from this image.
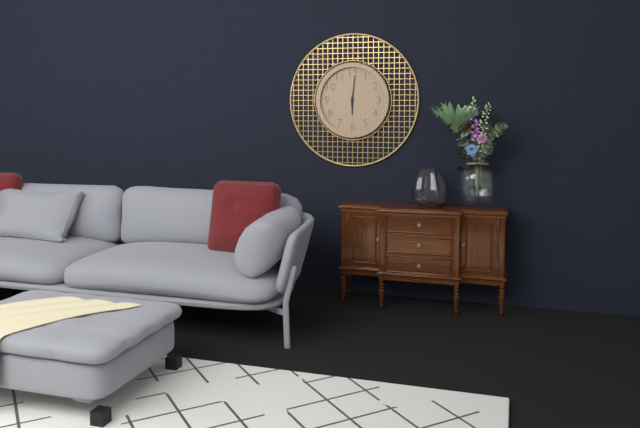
6:01
